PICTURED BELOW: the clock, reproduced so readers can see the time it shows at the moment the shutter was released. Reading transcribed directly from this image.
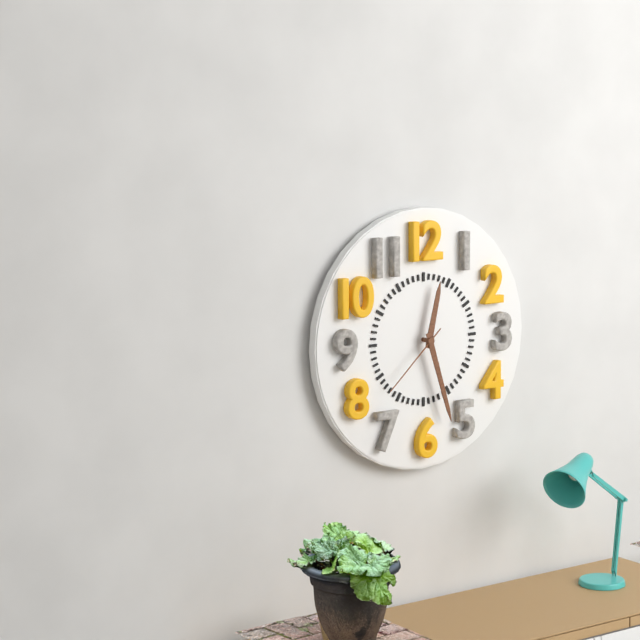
12:27:38
